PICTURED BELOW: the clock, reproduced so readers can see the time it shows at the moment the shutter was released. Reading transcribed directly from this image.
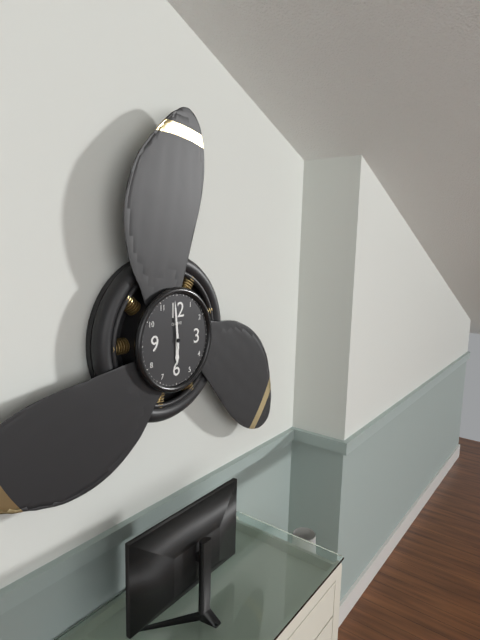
5:59
